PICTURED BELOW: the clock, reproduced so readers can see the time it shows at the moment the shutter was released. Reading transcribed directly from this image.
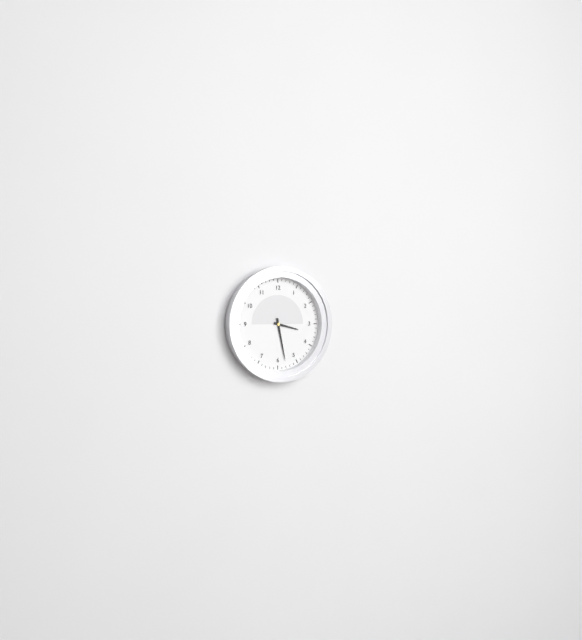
3:28
